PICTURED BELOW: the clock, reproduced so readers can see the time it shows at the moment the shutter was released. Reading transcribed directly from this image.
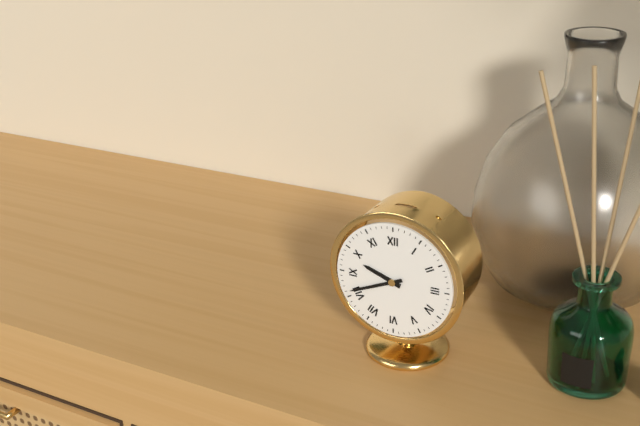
9:41
